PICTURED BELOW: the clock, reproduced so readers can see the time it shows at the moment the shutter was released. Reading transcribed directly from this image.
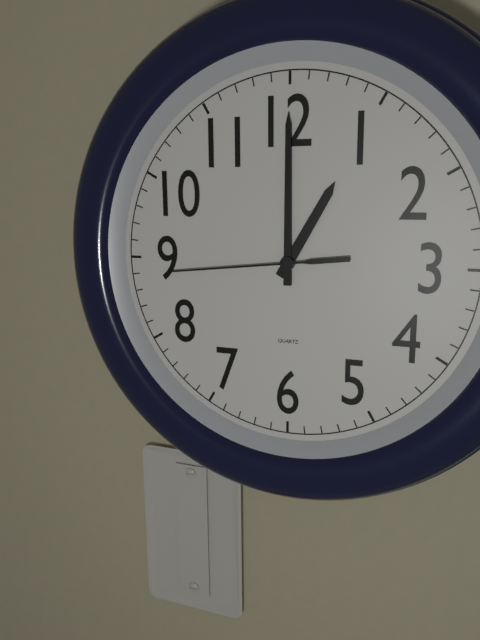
1:00:44
